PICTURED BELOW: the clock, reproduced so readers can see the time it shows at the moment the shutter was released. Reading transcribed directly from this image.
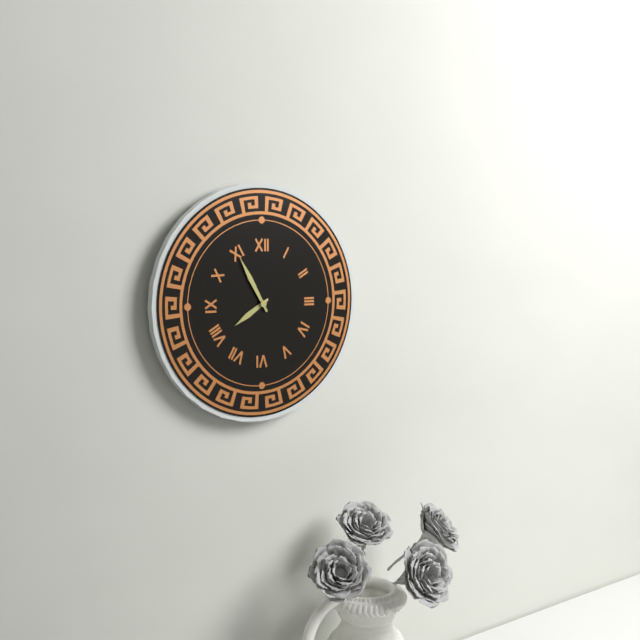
7:55
